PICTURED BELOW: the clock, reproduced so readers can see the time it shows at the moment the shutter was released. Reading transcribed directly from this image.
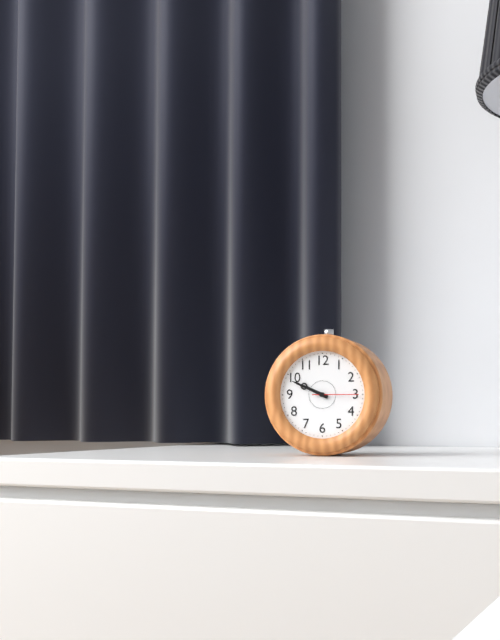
9:49
